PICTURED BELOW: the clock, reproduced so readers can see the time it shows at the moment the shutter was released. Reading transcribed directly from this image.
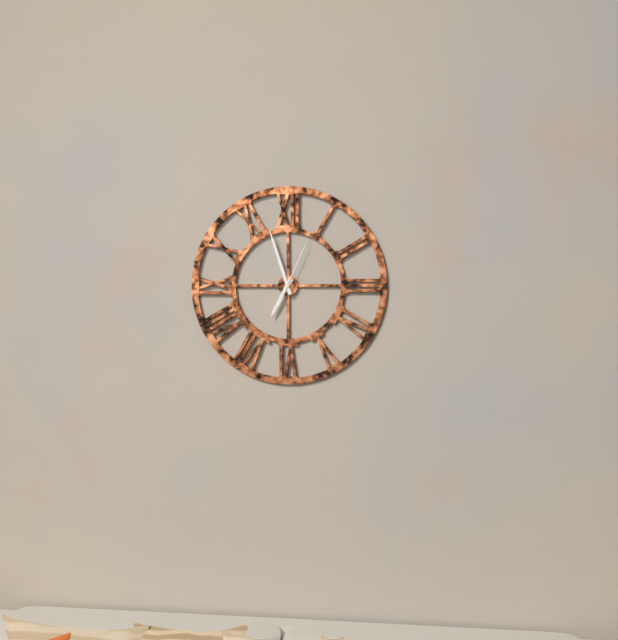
6:57:04
